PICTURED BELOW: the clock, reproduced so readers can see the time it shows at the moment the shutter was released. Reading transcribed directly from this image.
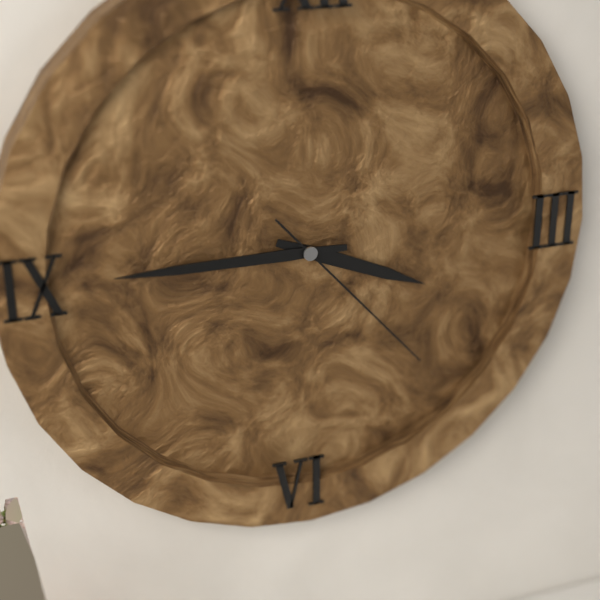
3:45:23
